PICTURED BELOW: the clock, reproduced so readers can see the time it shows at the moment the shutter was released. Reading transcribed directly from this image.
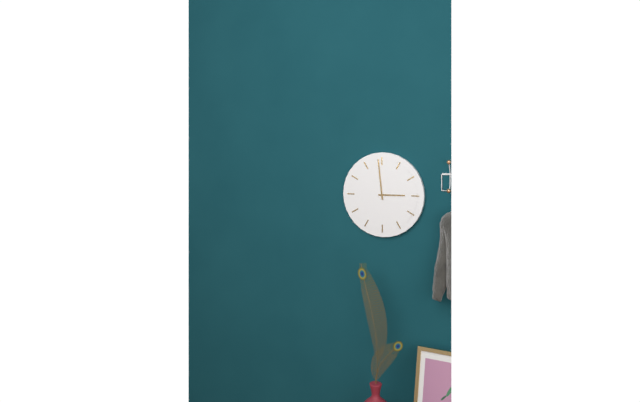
2:59
